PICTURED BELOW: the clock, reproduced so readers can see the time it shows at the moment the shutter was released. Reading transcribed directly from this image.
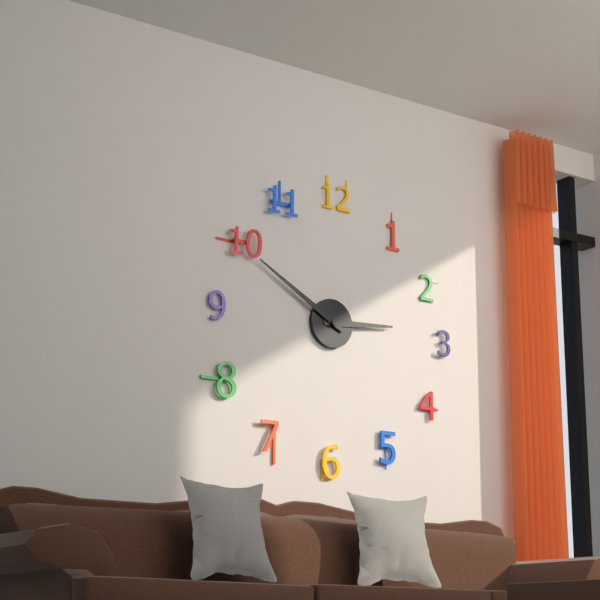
2:50
